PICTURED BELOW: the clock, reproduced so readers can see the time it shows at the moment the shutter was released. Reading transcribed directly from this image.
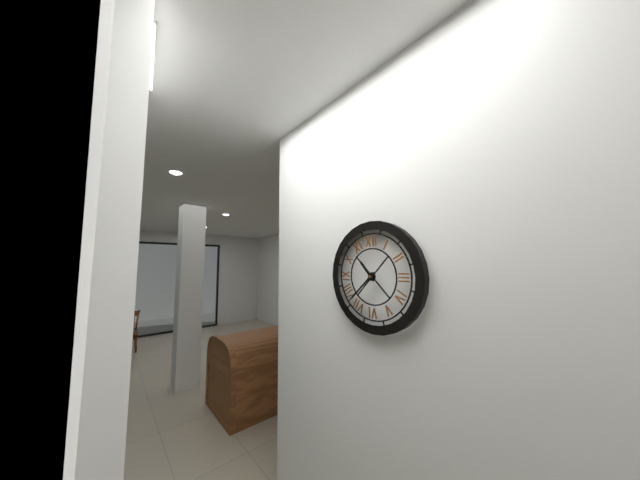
10:38
